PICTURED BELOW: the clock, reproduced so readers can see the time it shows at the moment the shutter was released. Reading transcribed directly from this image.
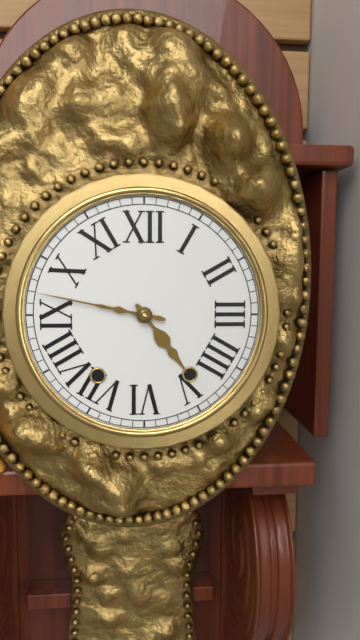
4:47
